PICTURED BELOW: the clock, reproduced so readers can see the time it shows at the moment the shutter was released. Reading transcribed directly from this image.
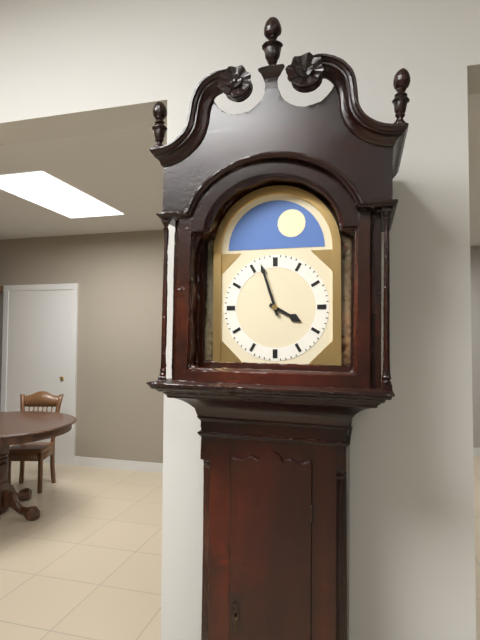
3:57
